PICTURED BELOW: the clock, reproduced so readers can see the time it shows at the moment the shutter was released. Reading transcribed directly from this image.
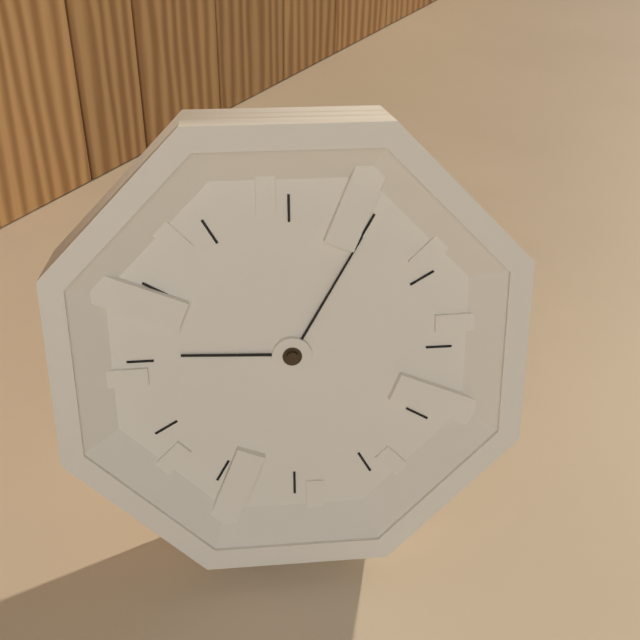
9:05
